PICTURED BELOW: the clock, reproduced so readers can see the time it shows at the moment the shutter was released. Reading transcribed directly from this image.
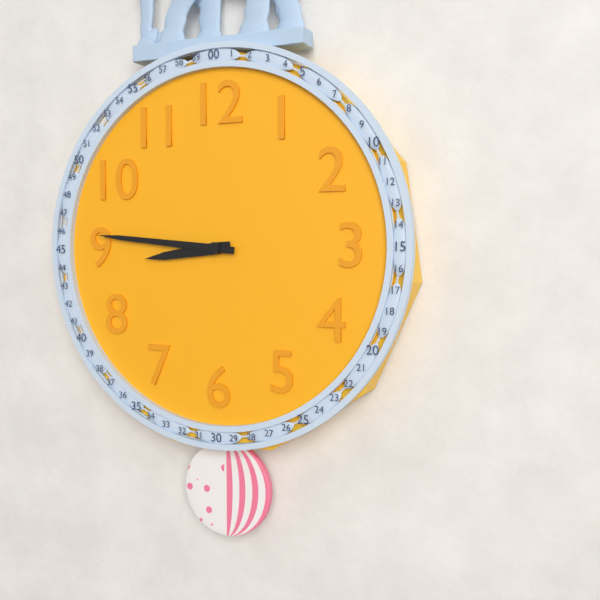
8:46
